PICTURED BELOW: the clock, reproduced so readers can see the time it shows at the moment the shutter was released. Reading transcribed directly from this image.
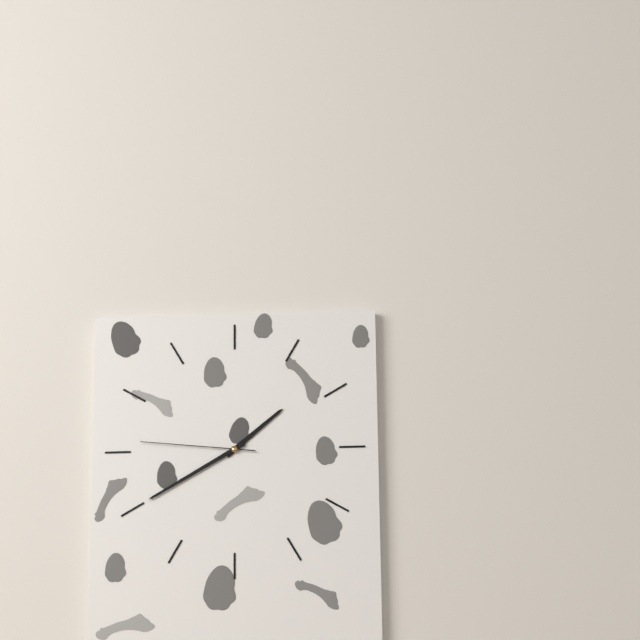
1:40:46
